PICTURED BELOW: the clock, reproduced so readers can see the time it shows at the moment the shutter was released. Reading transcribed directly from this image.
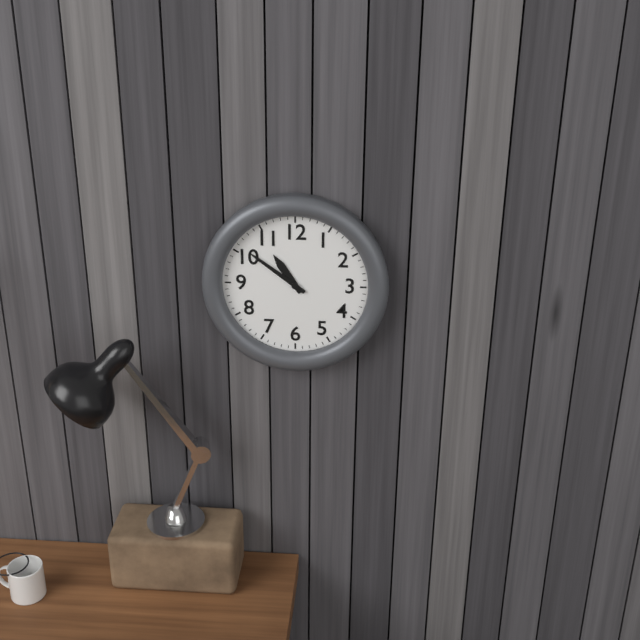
10:51
